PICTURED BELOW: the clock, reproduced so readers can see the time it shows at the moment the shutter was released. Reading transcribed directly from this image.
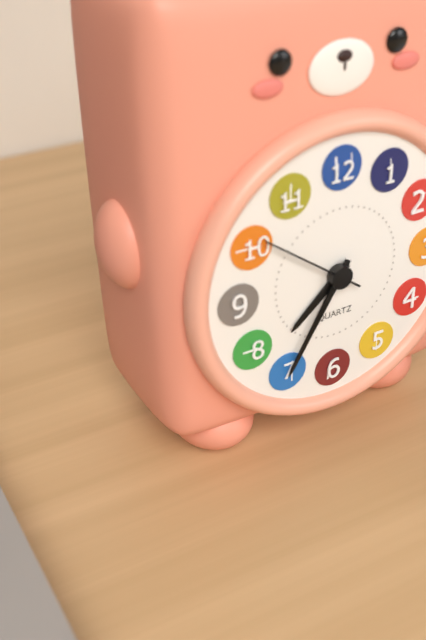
7:35
